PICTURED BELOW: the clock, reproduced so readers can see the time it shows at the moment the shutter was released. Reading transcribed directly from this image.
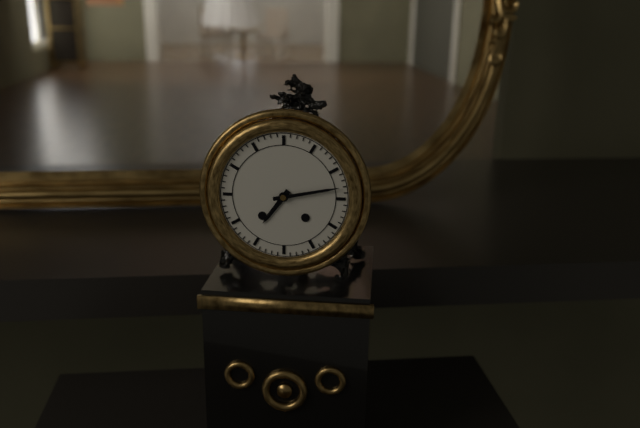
7:13
